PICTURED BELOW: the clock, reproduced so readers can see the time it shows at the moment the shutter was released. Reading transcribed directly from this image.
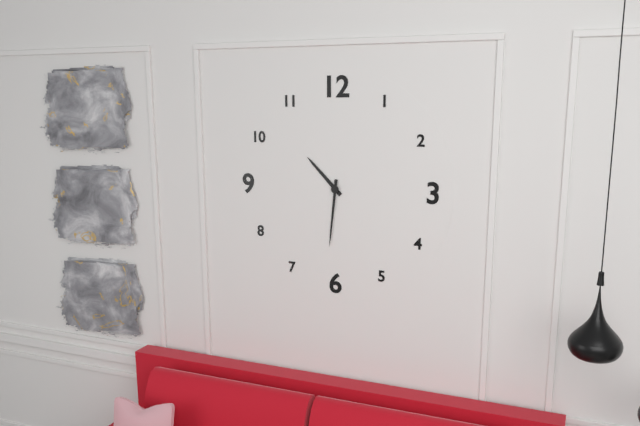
10:31
